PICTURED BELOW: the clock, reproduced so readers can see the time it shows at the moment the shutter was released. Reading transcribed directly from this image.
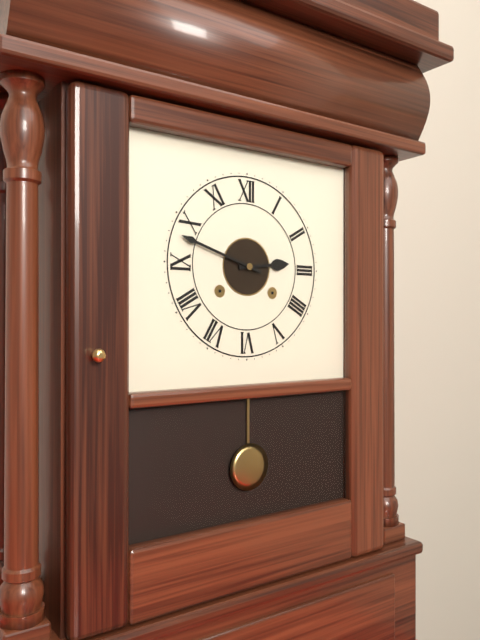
2:48
